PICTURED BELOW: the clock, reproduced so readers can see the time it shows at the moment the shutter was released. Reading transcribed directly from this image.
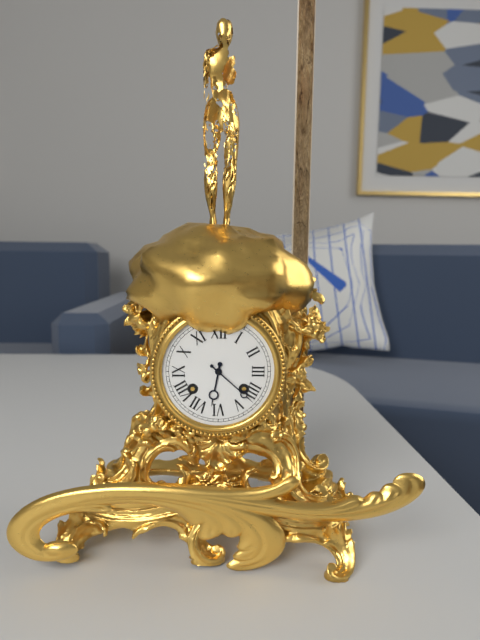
6:22
